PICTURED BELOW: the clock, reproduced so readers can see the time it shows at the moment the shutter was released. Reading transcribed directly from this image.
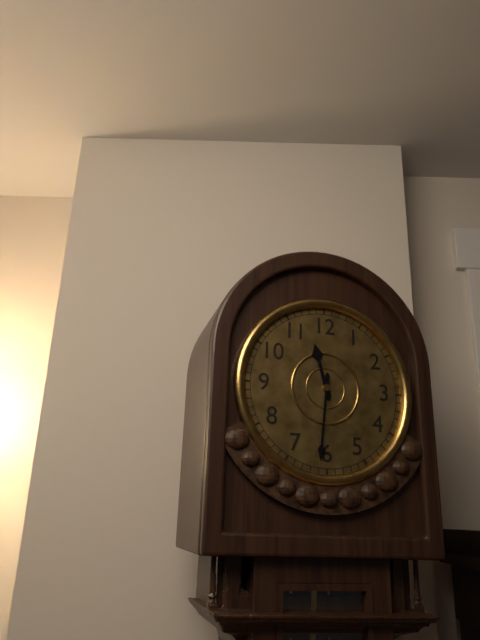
11:31
